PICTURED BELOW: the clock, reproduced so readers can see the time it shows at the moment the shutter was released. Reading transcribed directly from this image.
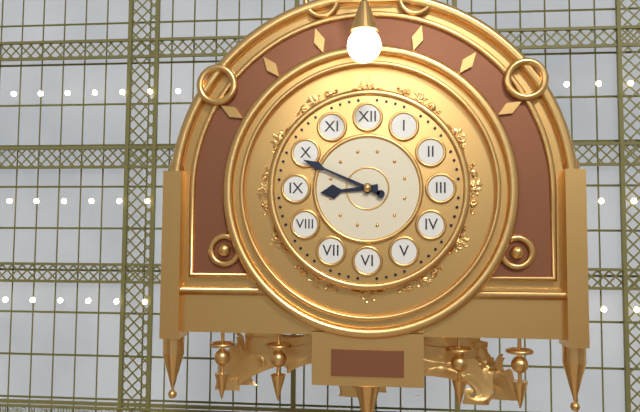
8:49
